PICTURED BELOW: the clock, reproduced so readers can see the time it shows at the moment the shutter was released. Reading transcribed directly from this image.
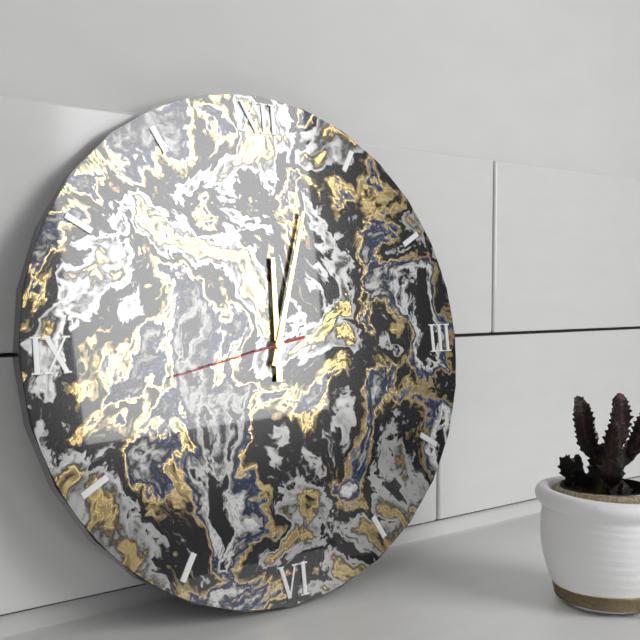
12:03:43
